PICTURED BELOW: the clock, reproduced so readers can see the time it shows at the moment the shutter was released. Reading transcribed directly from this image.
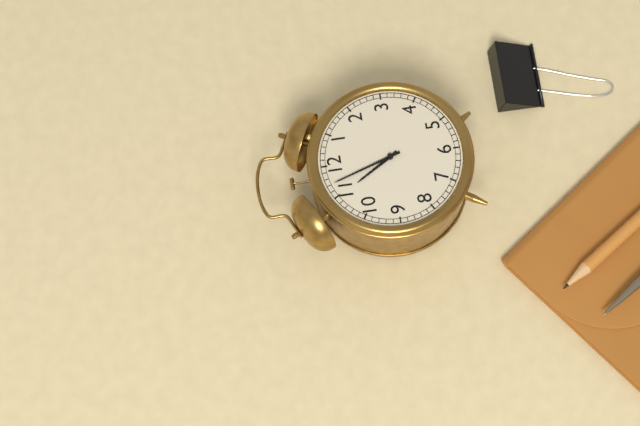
10:57
